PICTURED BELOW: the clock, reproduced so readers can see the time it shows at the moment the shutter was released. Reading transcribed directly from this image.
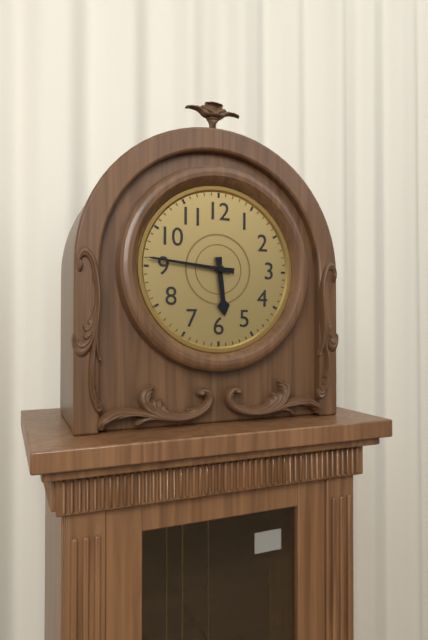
5:46
